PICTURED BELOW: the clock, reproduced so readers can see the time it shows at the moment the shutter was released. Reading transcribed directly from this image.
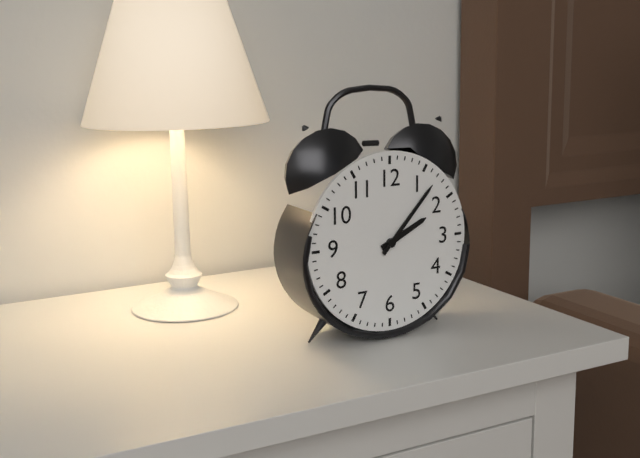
2:07
